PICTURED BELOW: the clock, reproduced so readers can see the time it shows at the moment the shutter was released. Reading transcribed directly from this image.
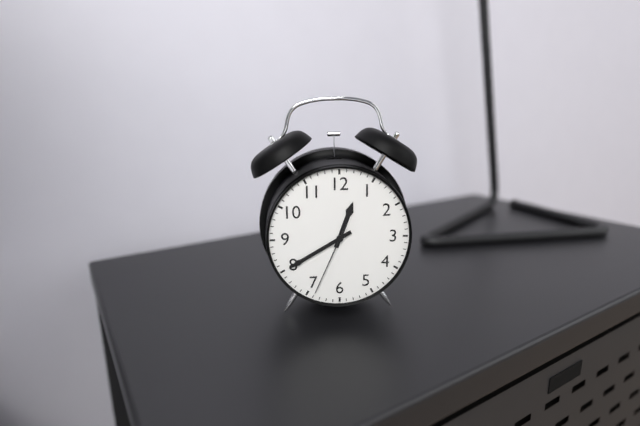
12:40:34
